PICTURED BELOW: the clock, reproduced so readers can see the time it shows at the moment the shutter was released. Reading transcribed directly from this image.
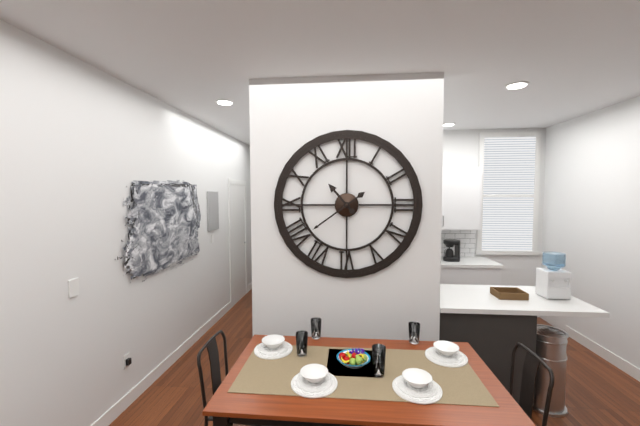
10:39
